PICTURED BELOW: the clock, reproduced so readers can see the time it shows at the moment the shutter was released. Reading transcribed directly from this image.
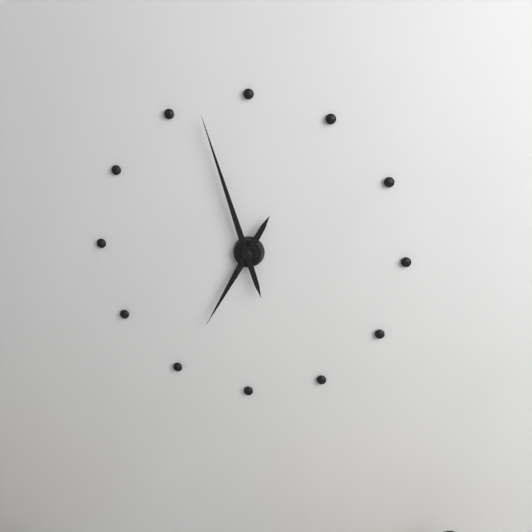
6:57
